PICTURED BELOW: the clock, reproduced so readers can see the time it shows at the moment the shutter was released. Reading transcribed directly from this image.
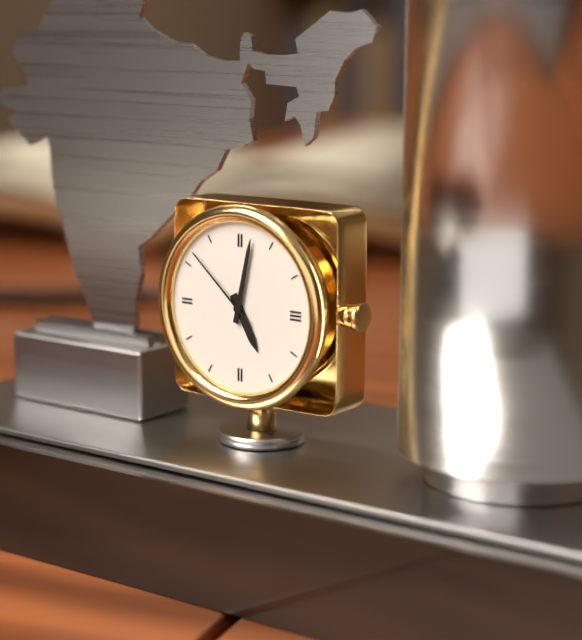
5:02:52
